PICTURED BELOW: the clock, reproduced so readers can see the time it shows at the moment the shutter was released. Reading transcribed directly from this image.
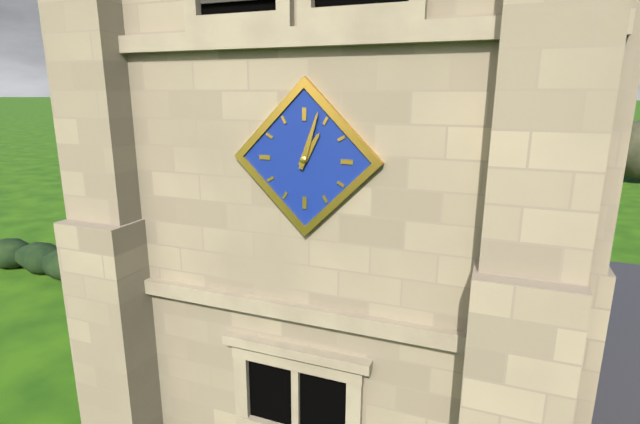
1:03
